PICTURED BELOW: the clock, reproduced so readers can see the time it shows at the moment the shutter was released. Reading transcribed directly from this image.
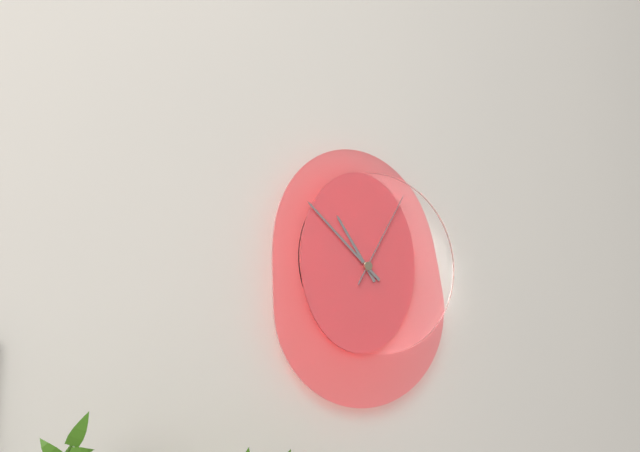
10:52:05
